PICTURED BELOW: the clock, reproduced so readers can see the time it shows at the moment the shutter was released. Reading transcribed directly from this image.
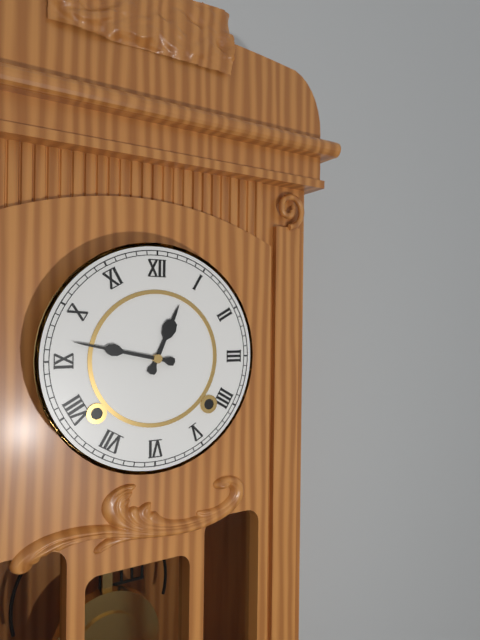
12:47
